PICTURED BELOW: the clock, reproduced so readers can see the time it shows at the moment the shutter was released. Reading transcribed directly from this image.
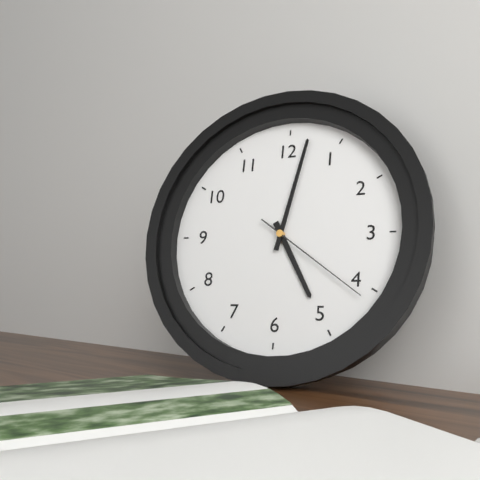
5:02:21
